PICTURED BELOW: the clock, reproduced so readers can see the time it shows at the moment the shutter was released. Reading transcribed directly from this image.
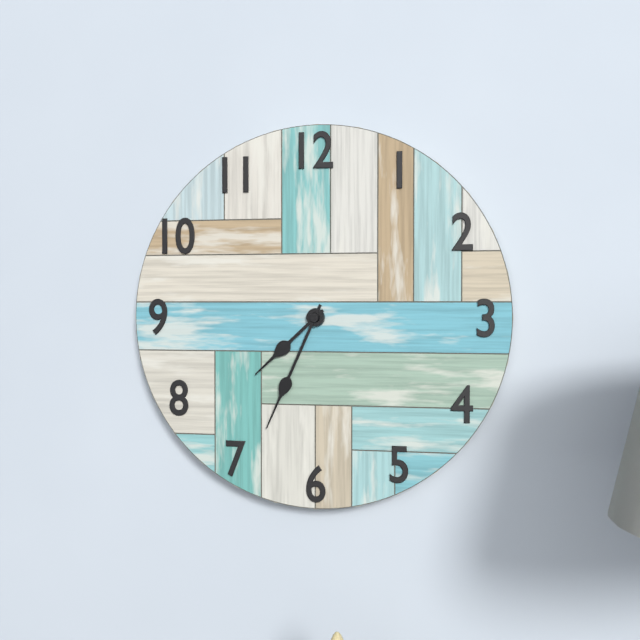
7:34
